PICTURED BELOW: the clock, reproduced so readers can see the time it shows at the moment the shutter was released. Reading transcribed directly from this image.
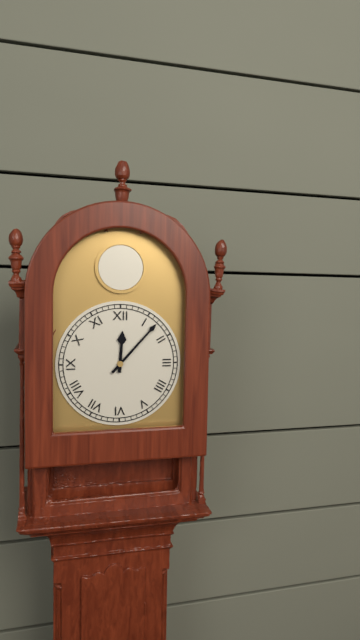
12:07
